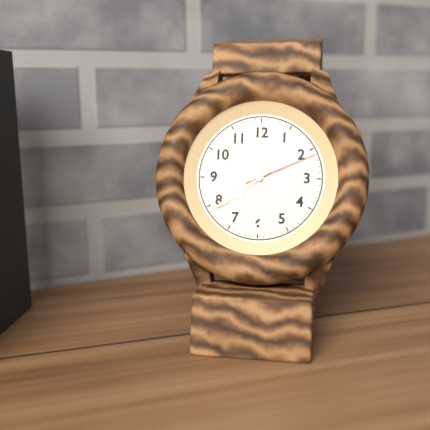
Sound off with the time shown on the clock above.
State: 7:39:11
